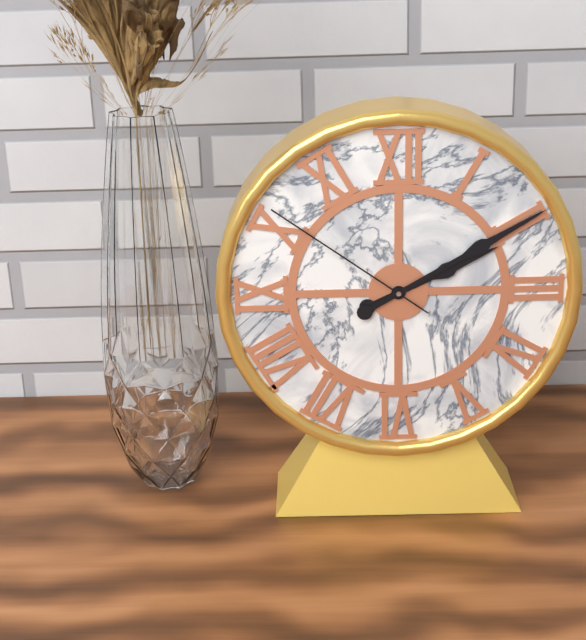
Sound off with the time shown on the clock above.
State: 2:10:51
